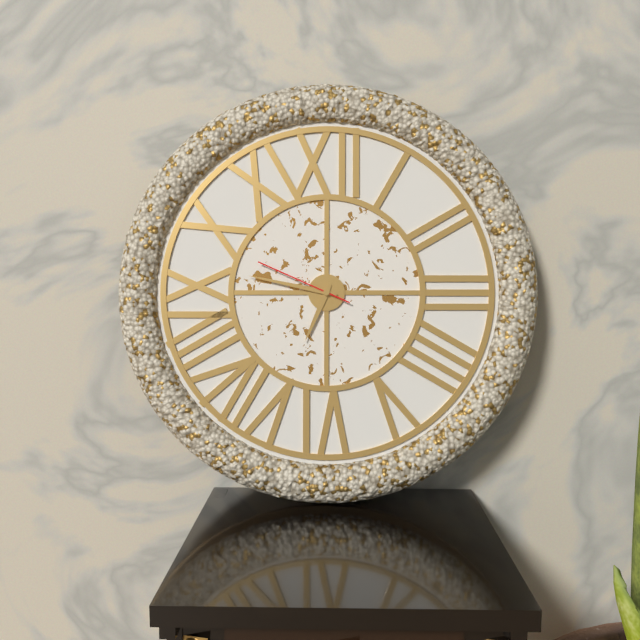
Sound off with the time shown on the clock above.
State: 6:47:49
